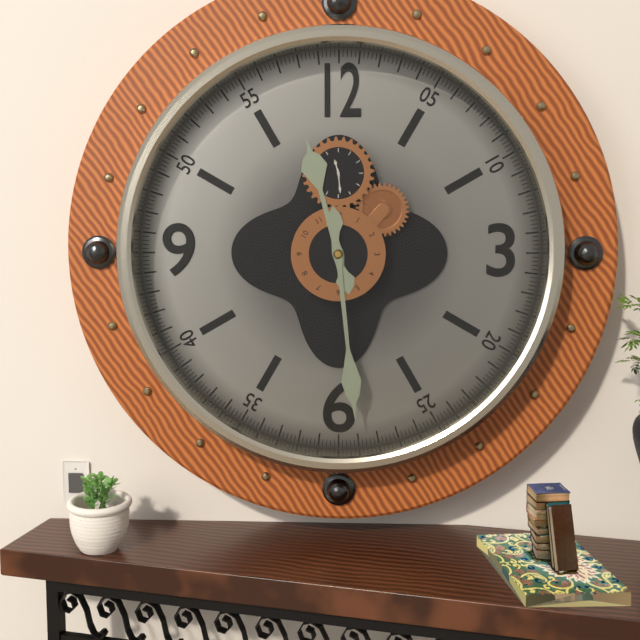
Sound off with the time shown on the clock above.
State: 11:29
